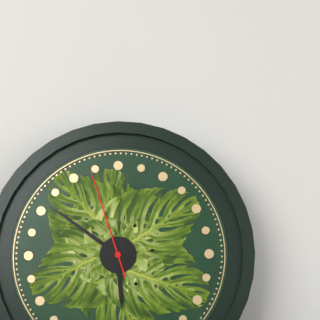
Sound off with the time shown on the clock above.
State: 5:51:57
